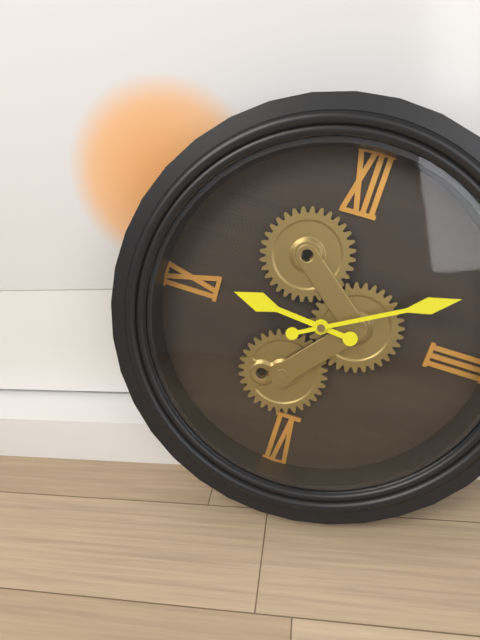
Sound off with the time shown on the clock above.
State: 9:10
